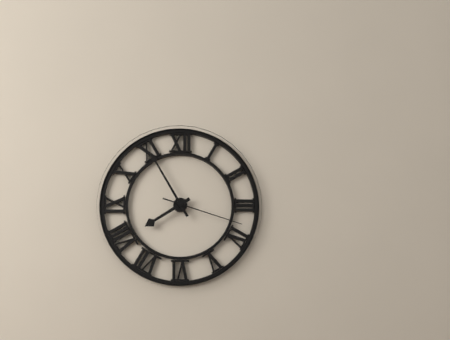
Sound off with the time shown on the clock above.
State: 7:55:18
